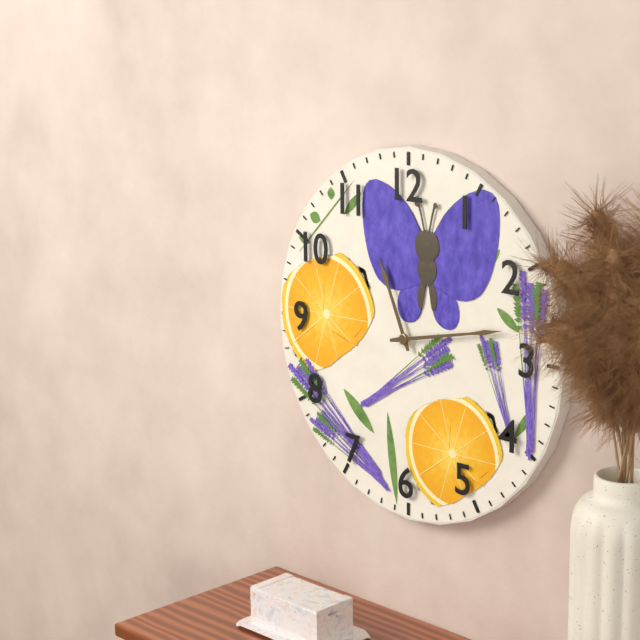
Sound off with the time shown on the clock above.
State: 11:13
